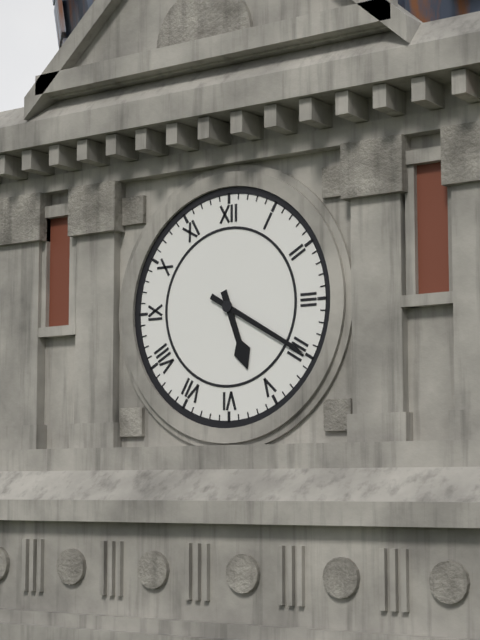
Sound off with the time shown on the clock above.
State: 5:20
